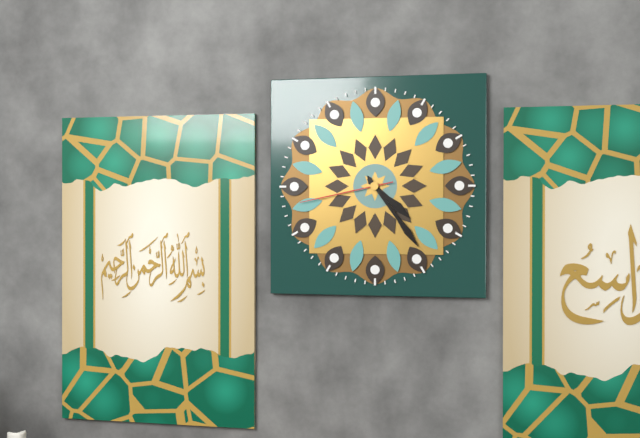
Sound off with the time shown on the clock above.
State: 4:24:43
